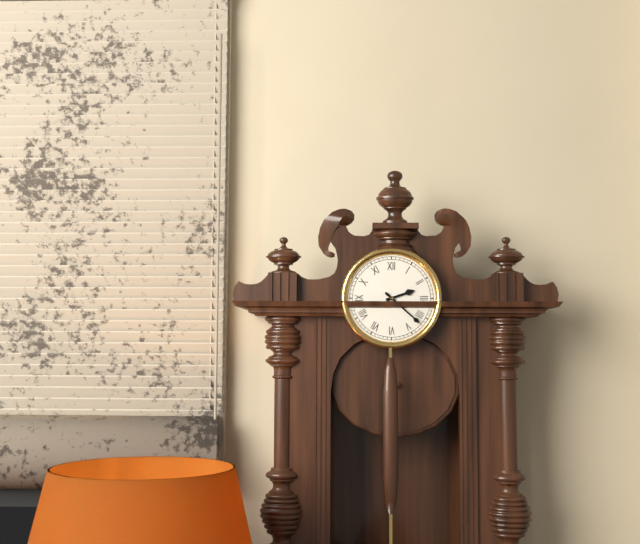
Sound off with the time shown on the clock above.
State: 2:22
